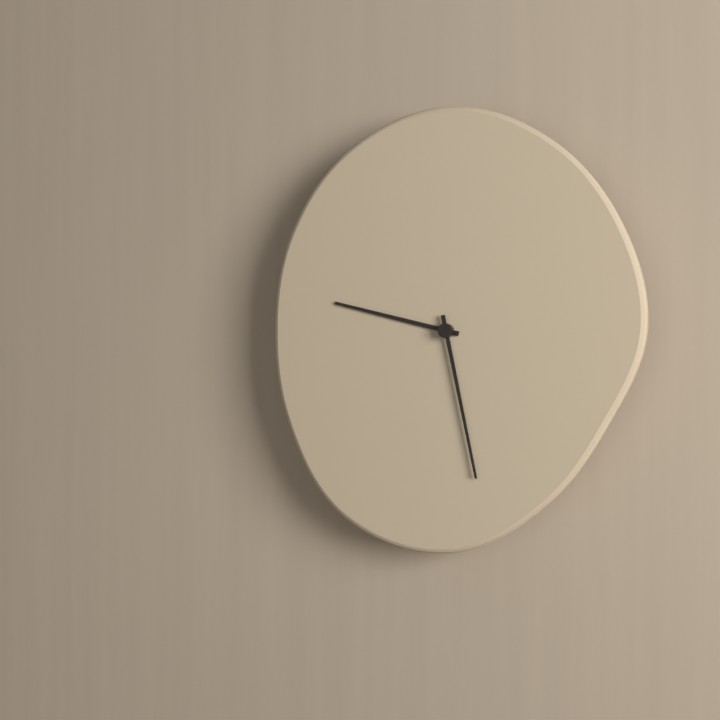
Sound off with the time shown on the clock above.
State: 9:28
